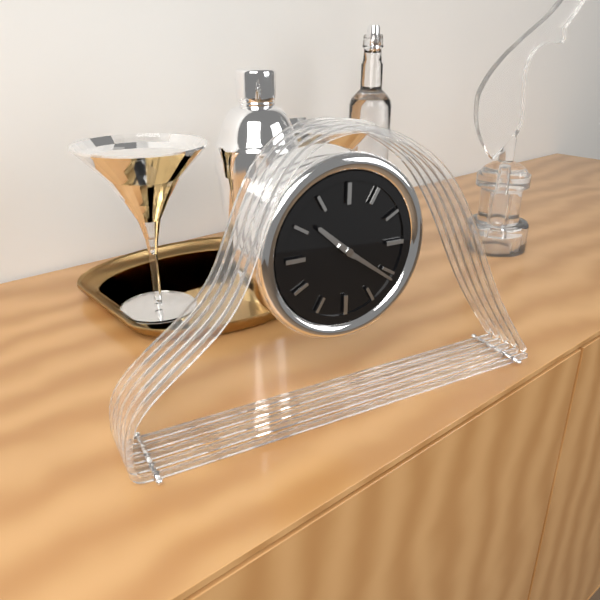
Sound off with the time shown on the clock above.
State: 10:21
